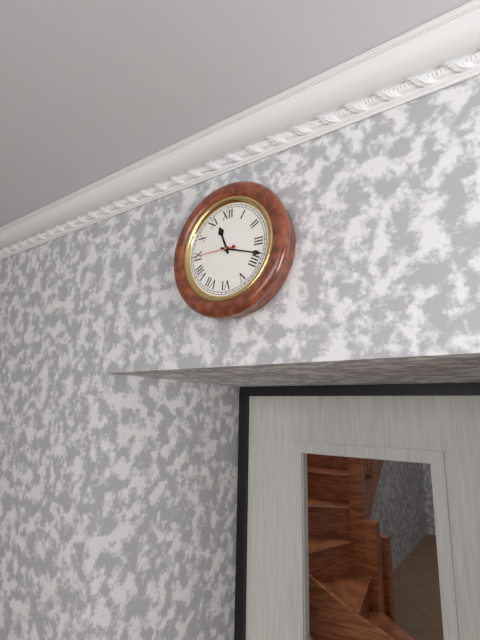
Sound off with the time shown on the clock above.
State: 11:18
